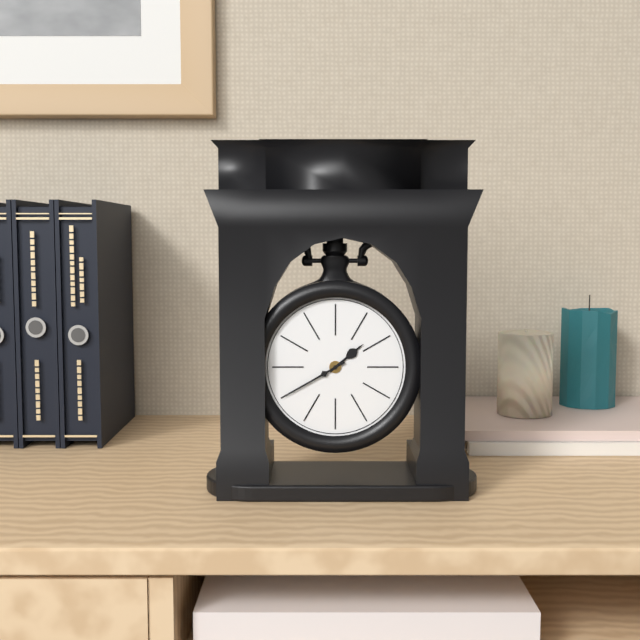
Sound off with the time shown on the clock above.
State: 1:40
